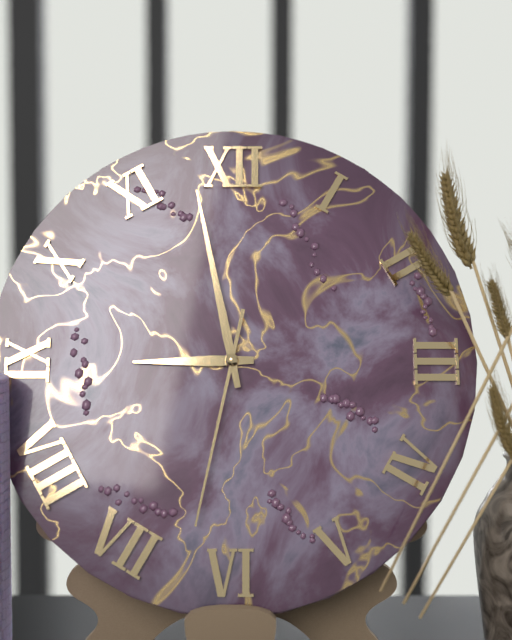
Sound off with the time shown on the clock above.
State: 8:58:32
